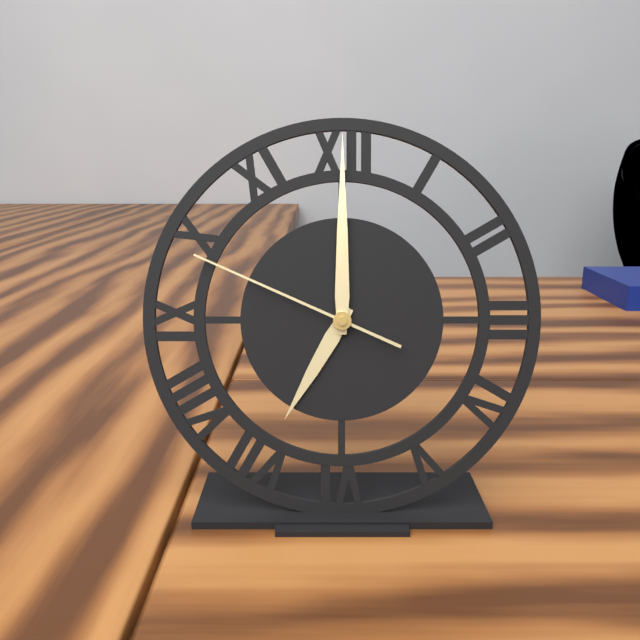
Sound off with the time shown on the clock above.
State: 7:00:49
